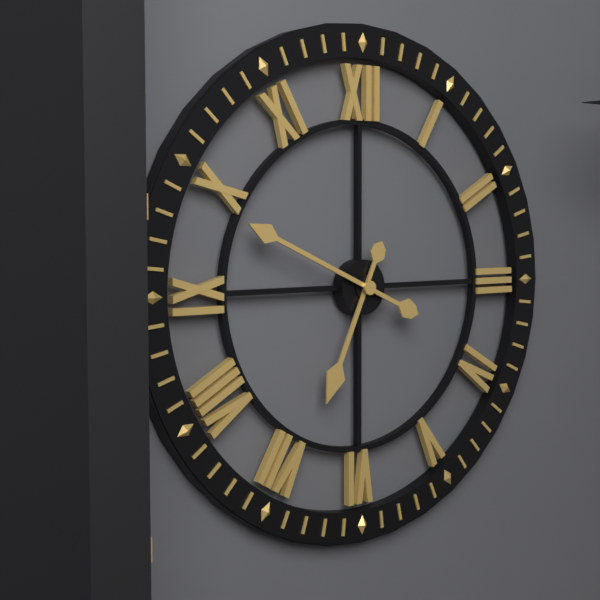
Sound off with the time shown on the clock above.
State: 6:49
